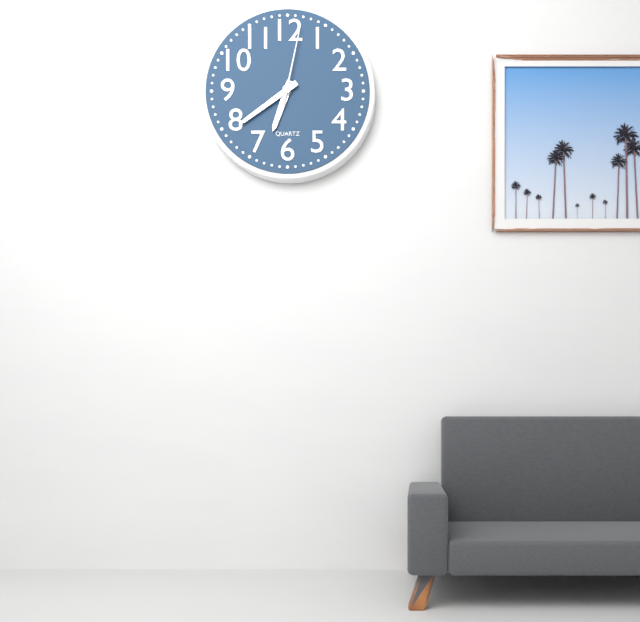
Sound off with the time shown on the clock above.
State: 6:39:02
